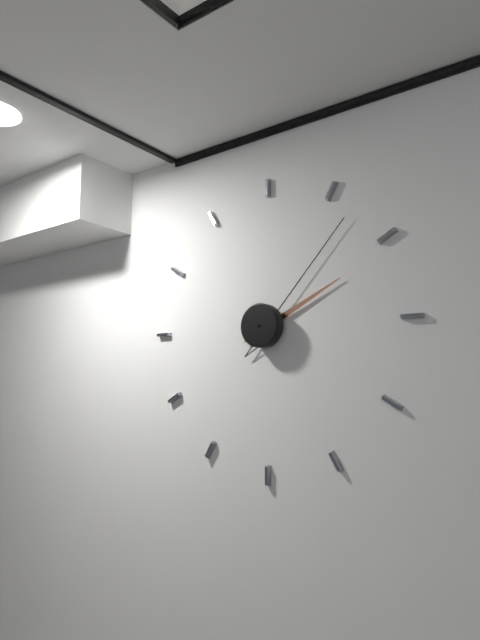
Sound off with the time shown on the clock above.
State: 2:07
